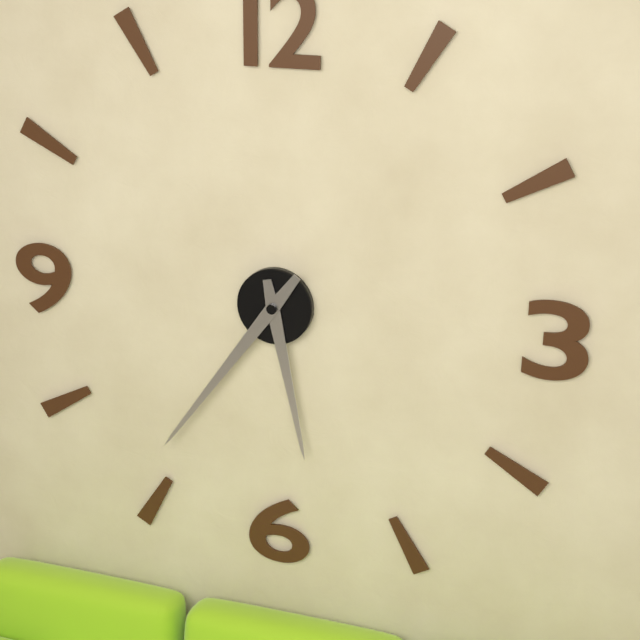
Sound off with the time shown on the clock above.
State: 5:36
